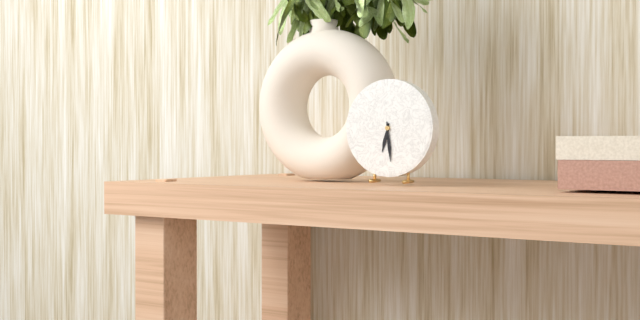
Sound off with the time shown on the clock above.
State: 6:29
